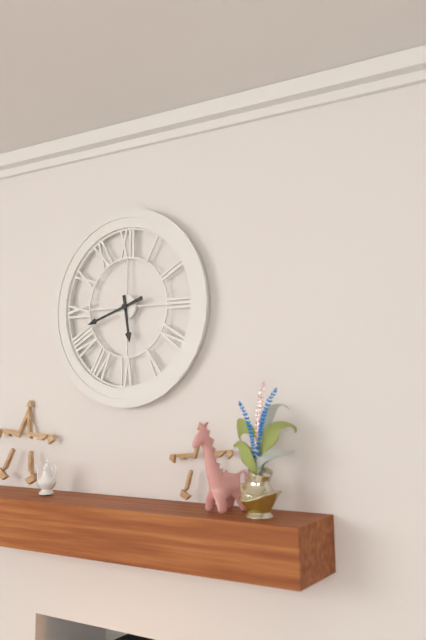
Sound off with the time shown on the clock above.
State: 5:42
